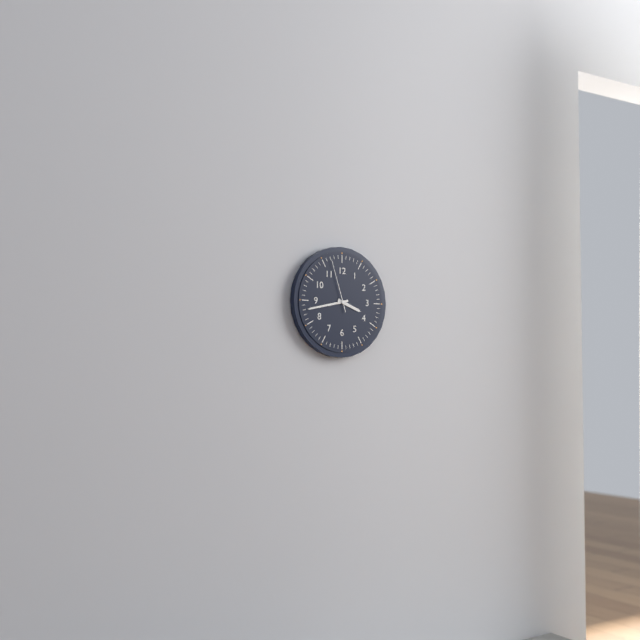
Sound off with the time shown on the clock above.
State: 3:43:57
